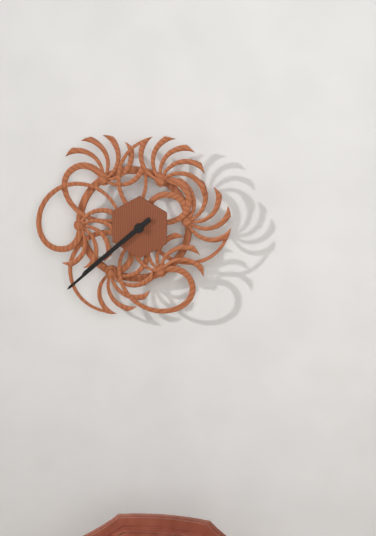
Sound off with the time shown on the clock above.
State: 7:38
